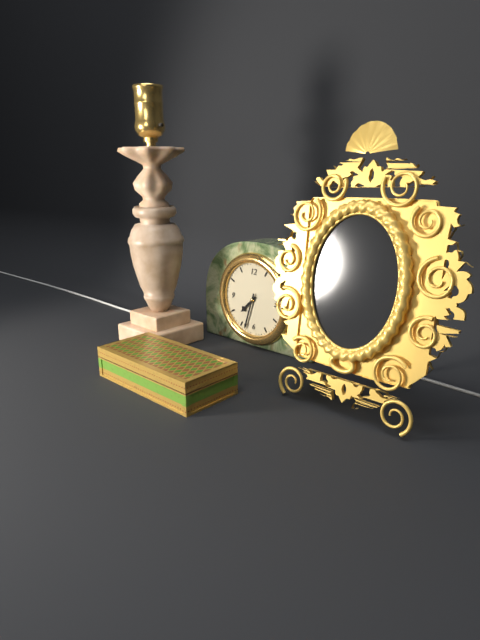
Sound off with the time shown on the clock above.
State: 7:33
